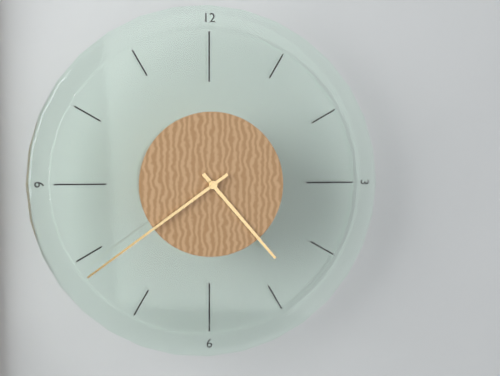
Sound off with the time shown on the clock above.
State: 4:39
